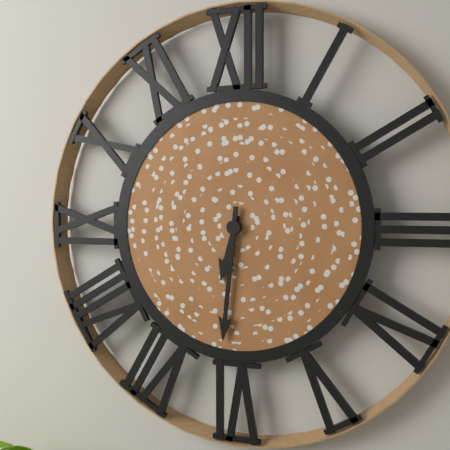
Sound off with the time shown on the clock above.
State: 6:31
